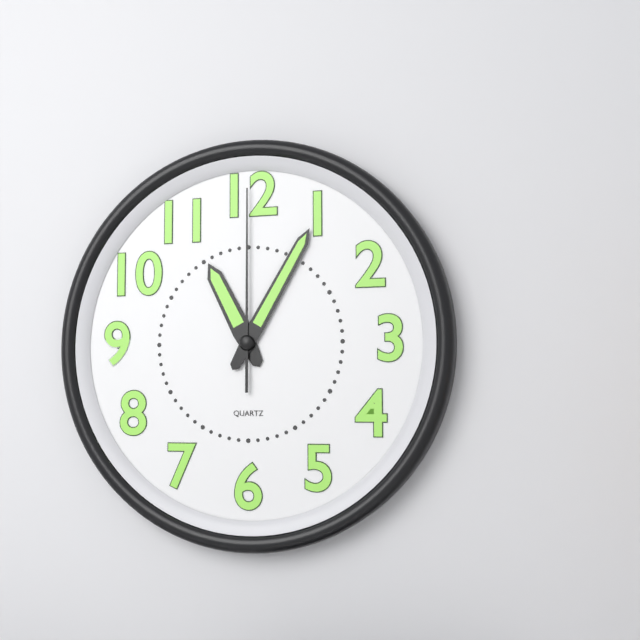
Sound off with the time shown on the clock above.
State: 11:05:00
